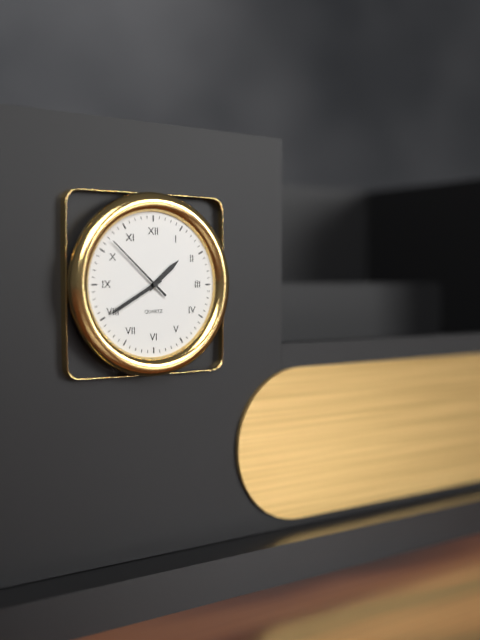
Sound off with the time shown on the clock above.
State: 1:40:52
